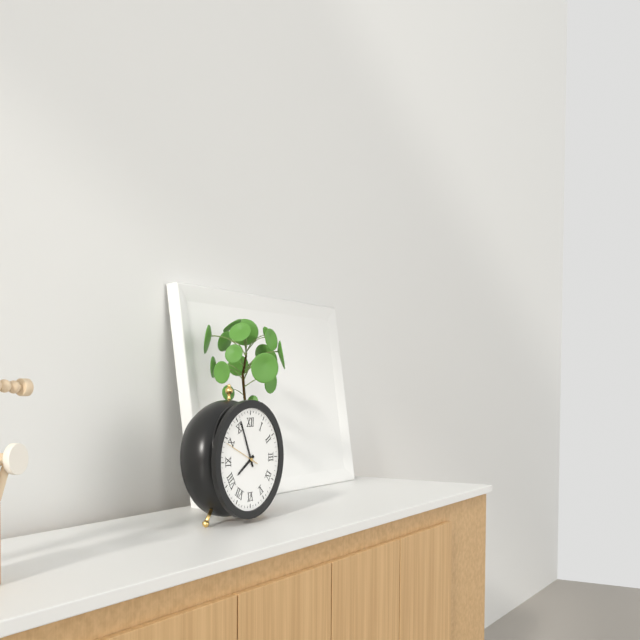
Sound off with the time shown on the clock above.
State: 7:56
